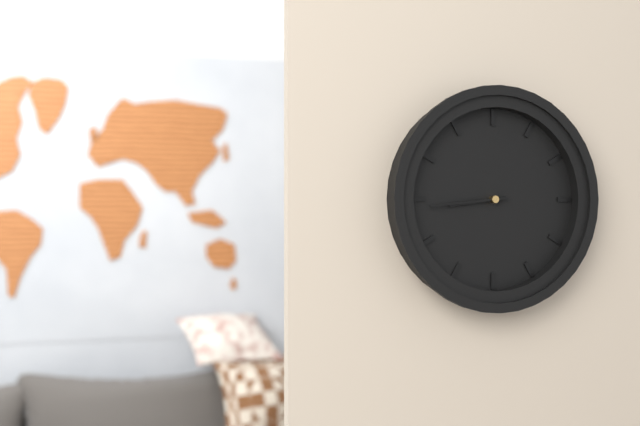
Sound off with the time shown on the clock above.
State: 8:44
